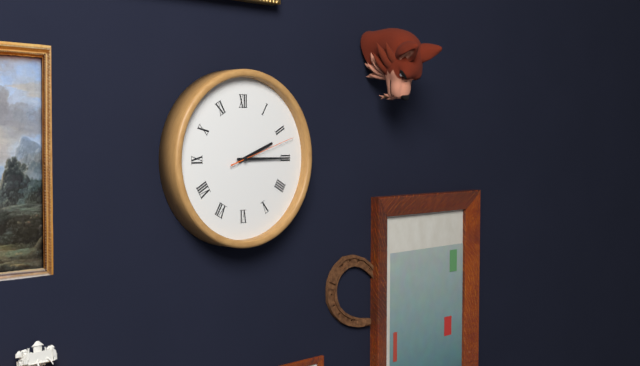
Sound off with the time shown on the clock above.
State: 2:15:12
